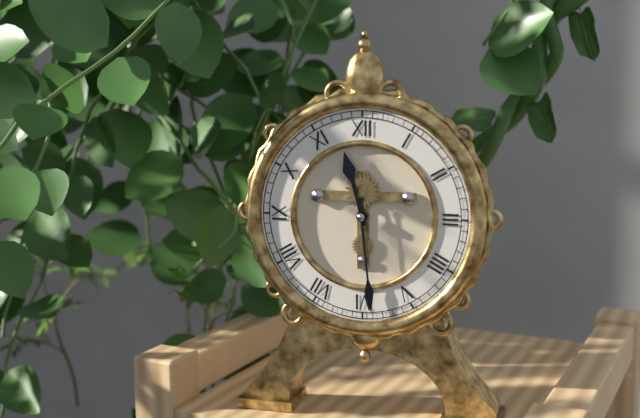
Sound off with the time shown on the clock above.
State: 11:29
